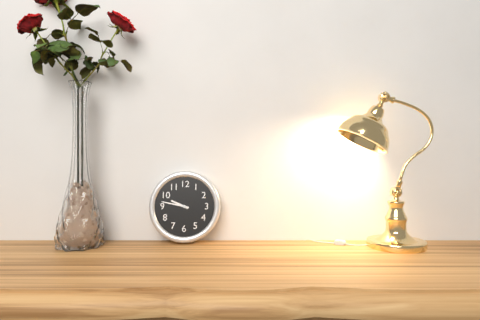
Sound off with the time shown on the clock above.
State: 9:47
